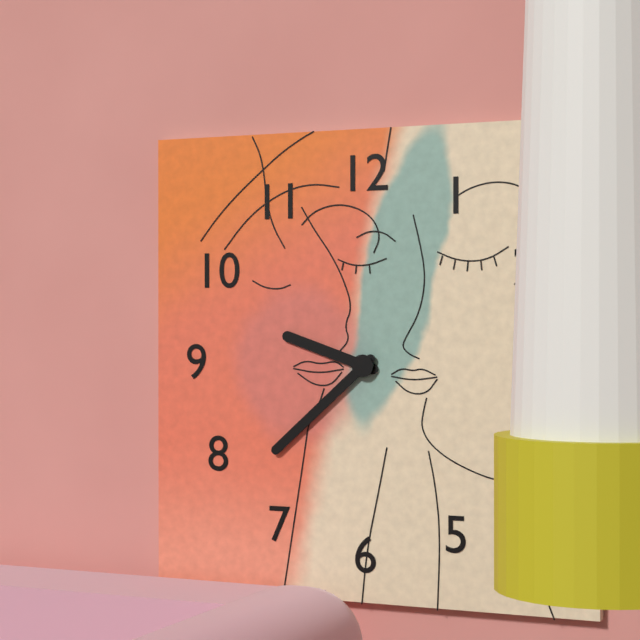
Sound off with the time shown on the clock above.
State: 9:38
